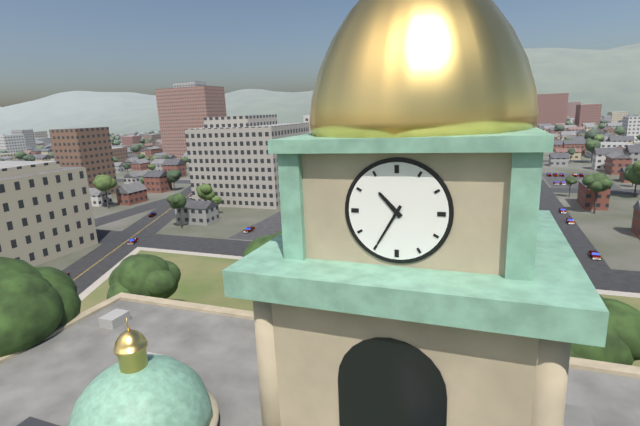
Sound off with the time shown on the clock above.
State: 10:35
